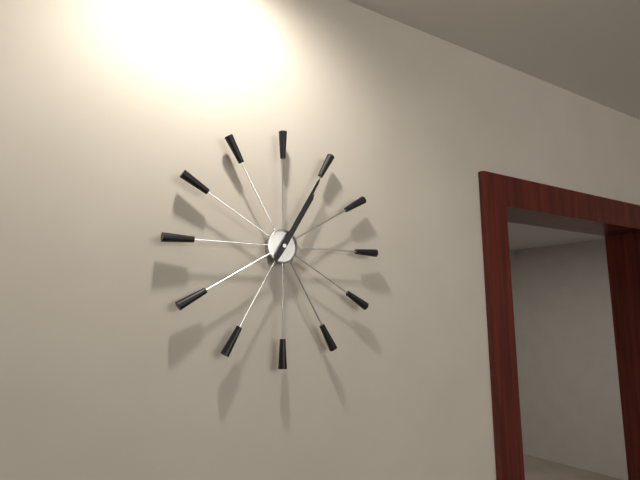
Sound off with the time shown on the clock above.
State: 1:05
